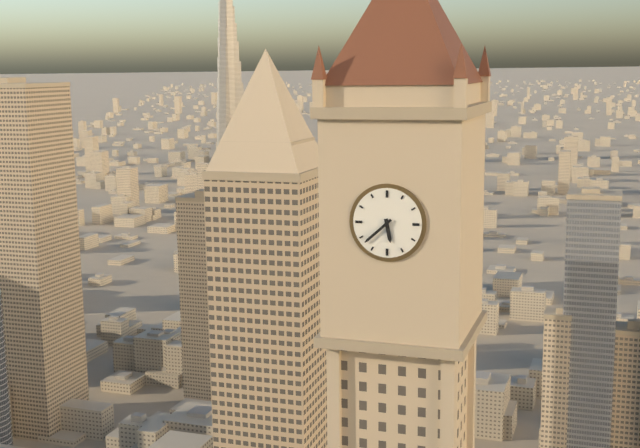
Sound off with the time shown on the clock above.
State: 5:38
